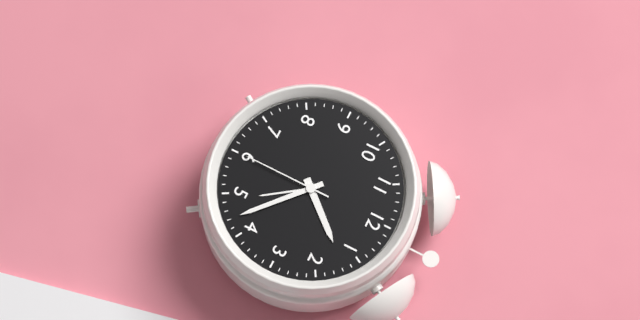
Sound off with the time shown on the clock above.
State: 1:22:30
